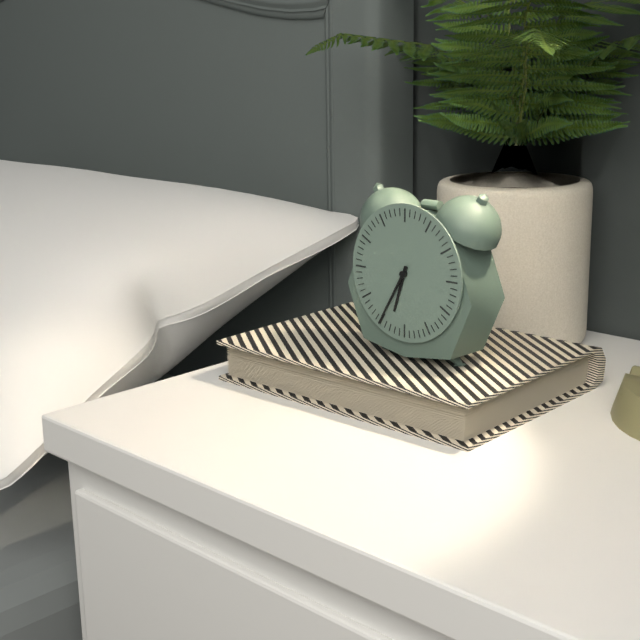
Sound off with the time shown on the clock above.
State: 6:35
